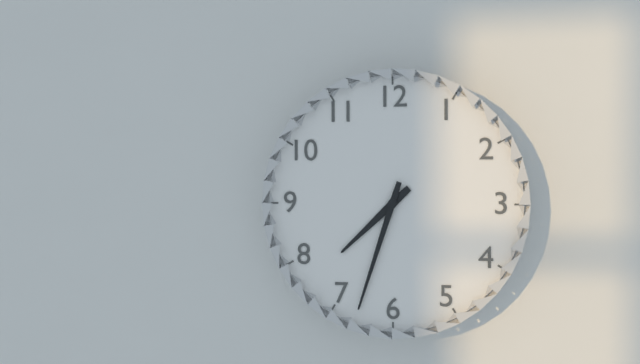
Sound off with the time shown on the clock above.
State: 7:33
